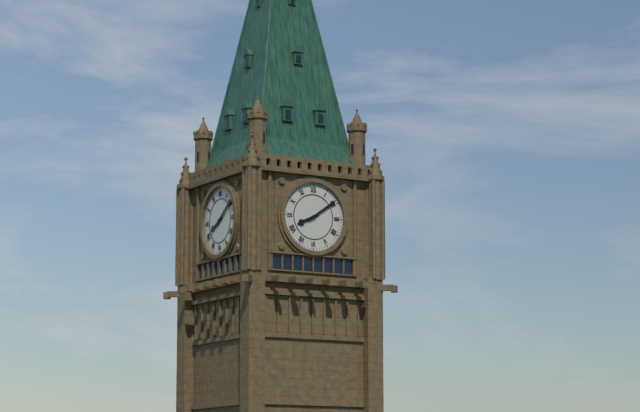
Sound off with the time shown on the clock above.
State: 8:09
